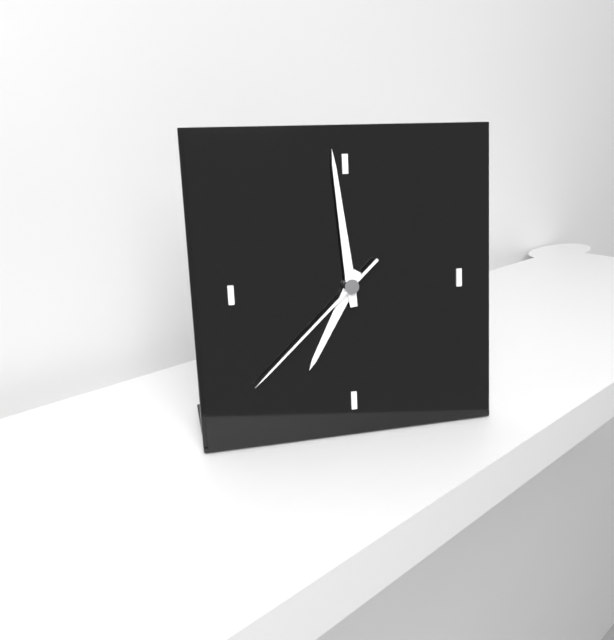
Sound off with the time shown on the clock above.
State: 6:59:38
